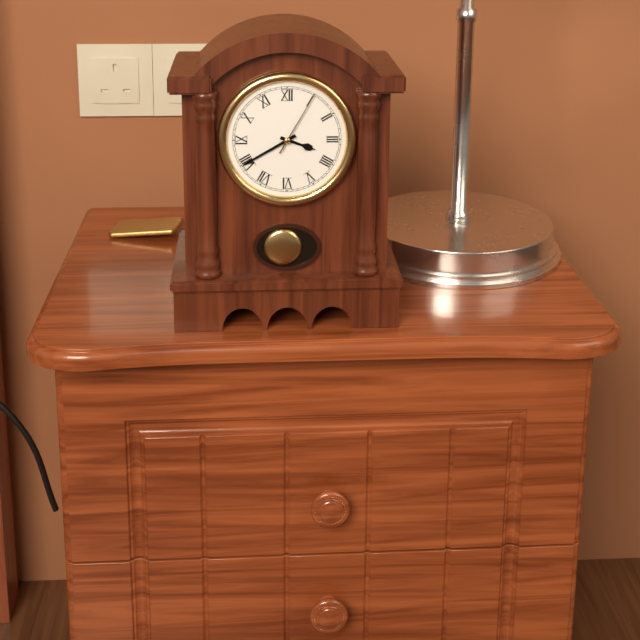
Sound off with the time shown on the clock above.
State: 3:40:05
